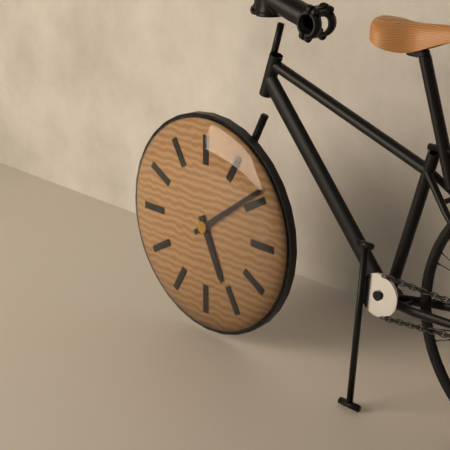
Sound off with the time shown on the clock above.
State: 5:09
